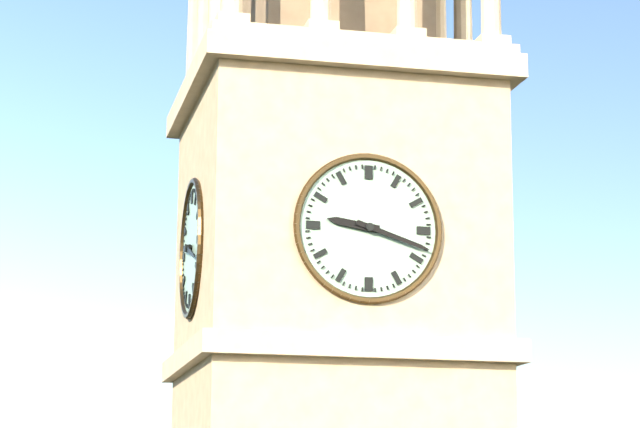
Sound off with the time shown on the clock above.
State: 9:18
